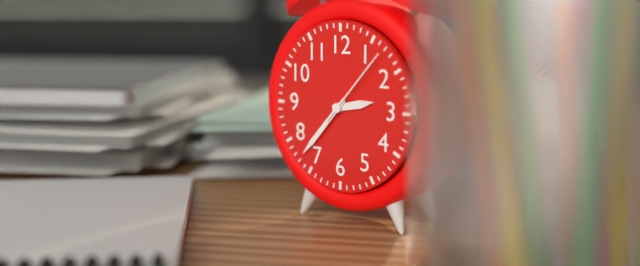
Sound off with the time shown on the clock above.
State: 2:37:07
